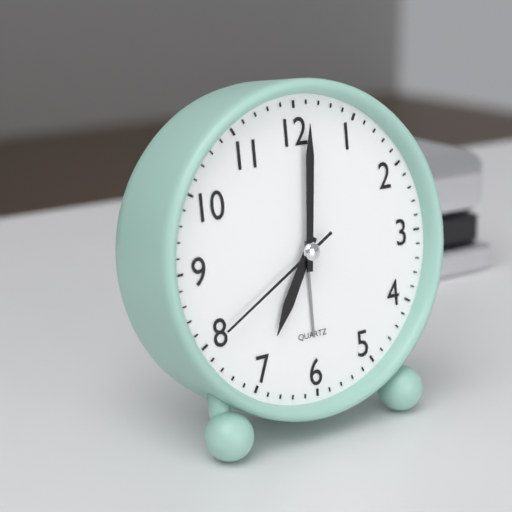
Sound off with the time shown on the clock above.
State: 7:01:40
